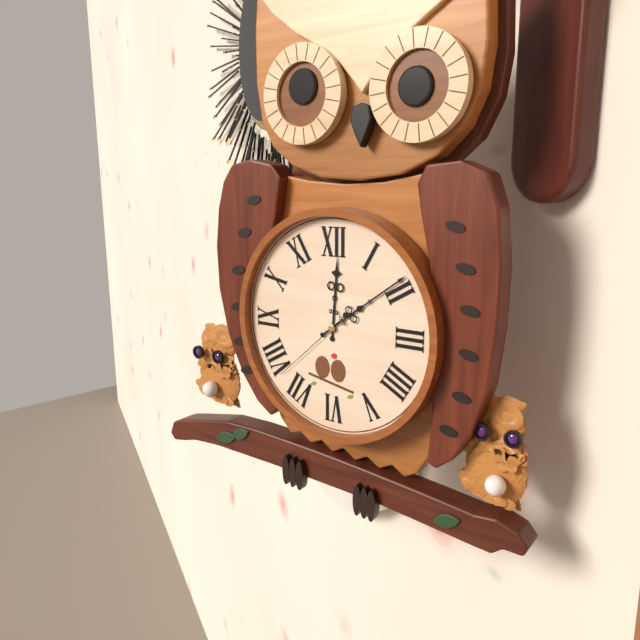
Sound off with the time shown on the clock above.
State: 12:09:38
